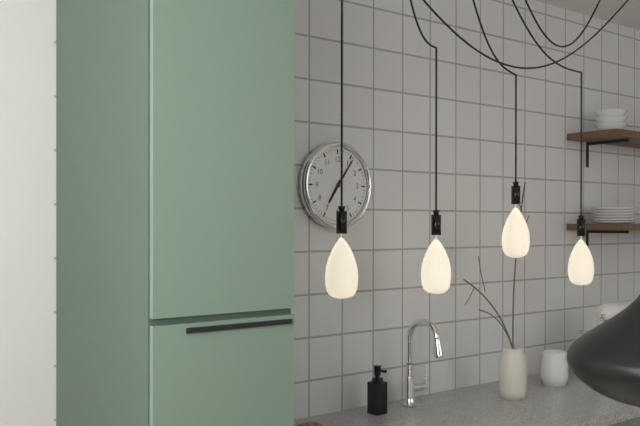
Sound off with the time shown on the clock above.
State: 7:06
